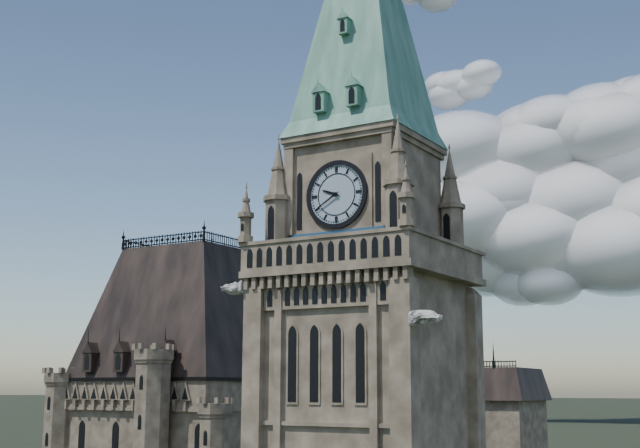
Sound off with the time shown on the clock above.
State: 9:40
